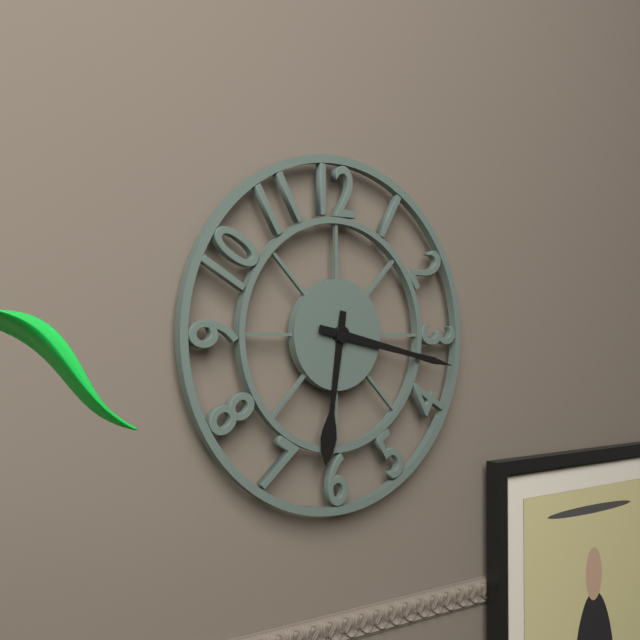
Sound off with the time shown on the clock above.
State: 6:17
